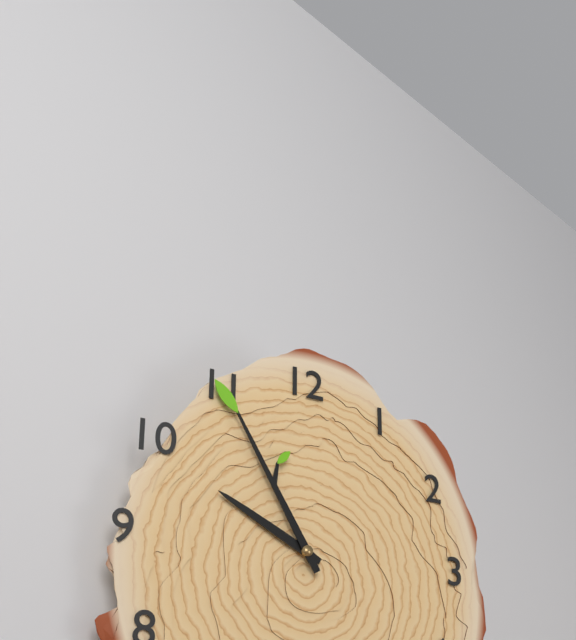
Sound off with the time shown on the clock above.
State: 9:55
